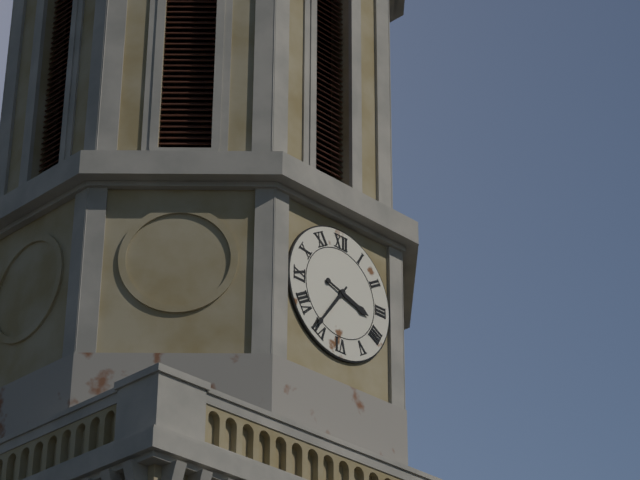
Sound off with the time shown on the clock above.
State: 3:36
